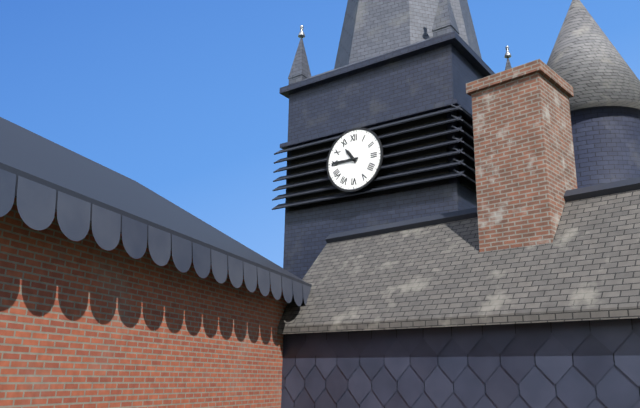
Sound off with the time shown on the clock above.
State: 10:45
